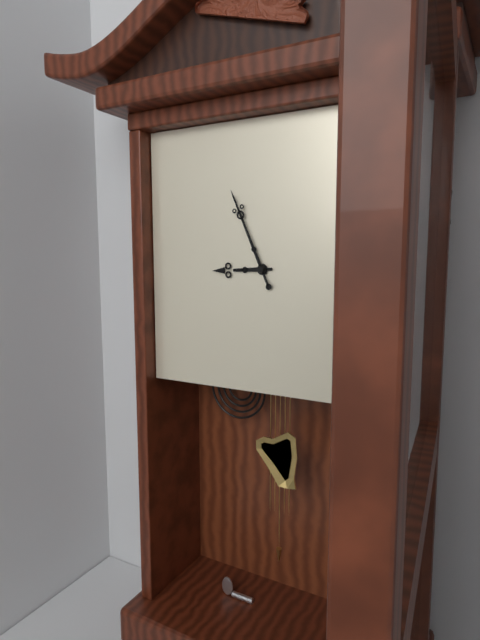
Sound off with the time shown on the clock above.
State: 8:56
